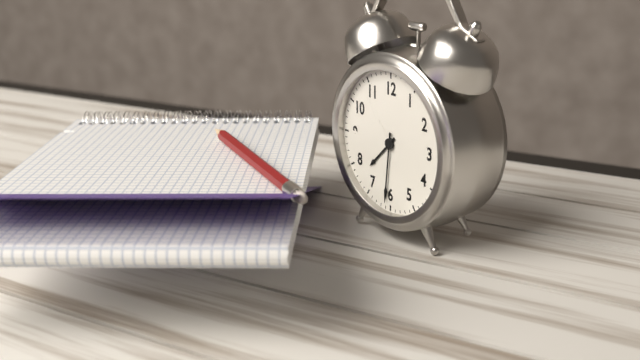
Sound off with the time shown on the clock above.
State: 7:31
